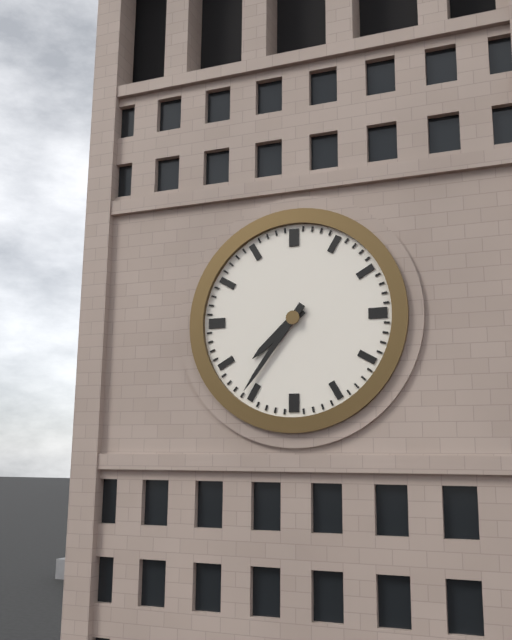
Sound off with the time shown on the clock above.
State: 7:36
